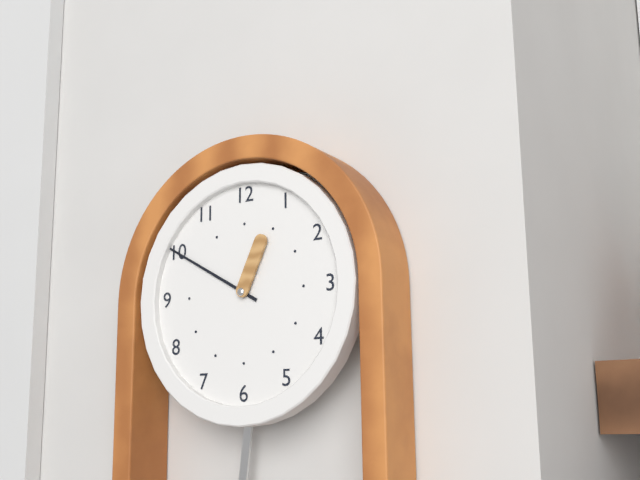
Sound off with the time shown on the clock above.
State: 12:50
